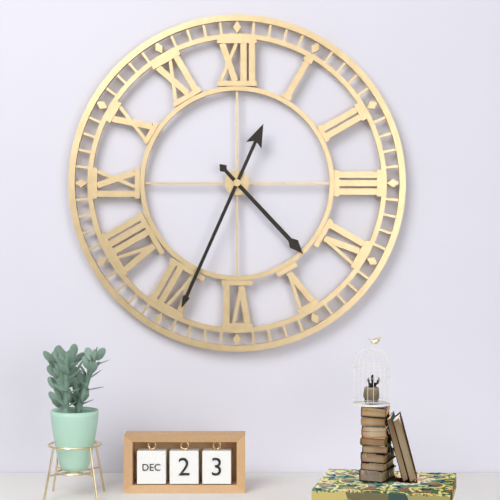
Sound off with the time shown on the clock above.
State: 4:34
